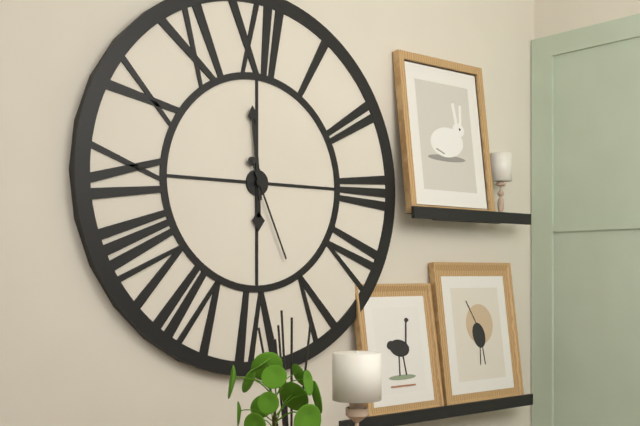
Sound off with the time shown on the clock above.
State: 5:59:26
